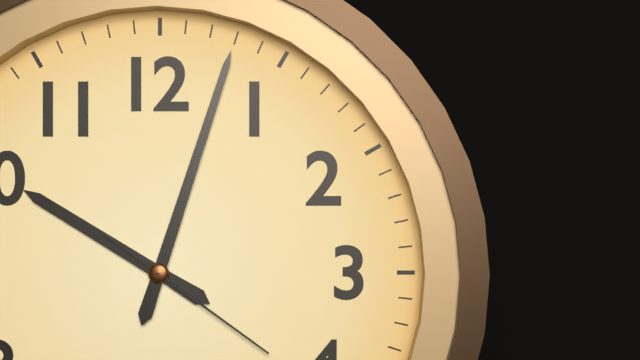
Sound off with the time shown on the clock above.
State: 10:03:21
